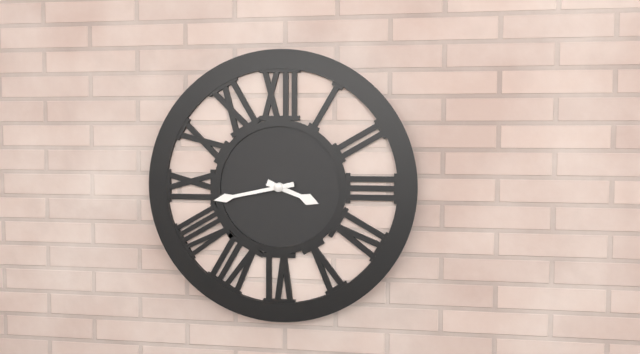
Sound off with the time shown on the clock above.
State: 3:43
